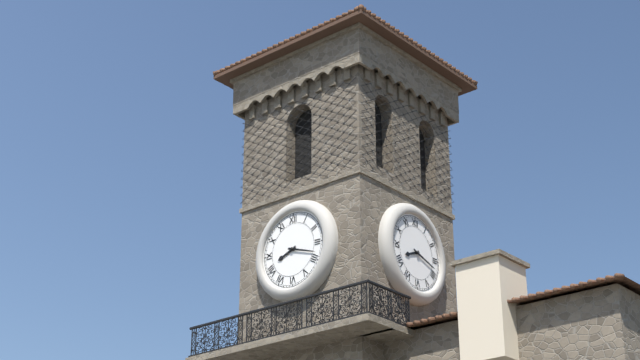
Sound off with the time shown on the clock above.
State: 8:18
